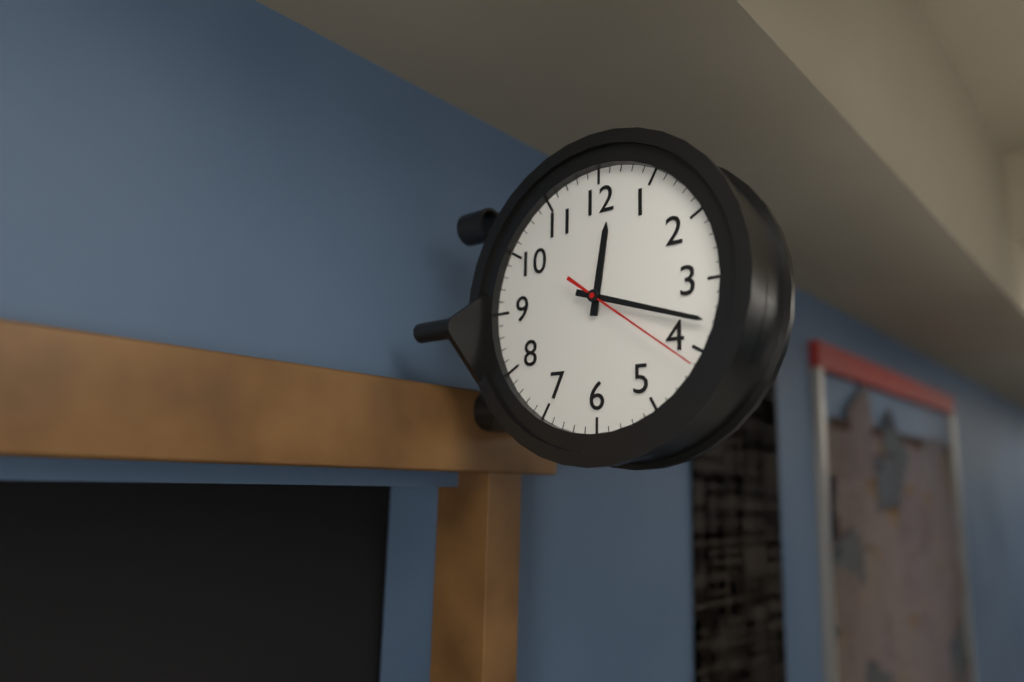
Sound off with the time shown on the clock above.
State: 12:18:21
